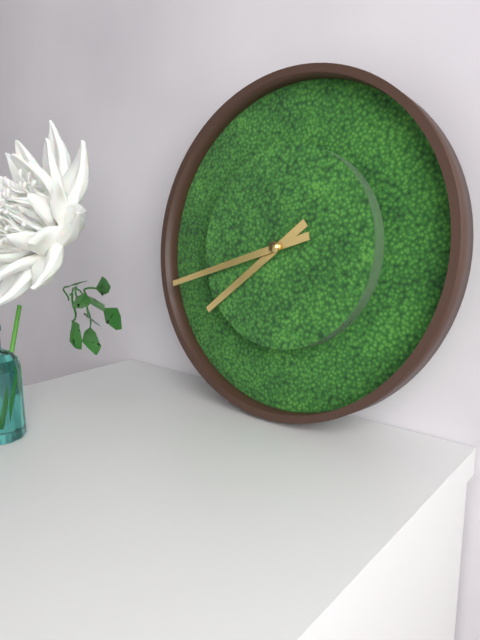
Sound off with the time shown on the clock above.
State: 7:42
